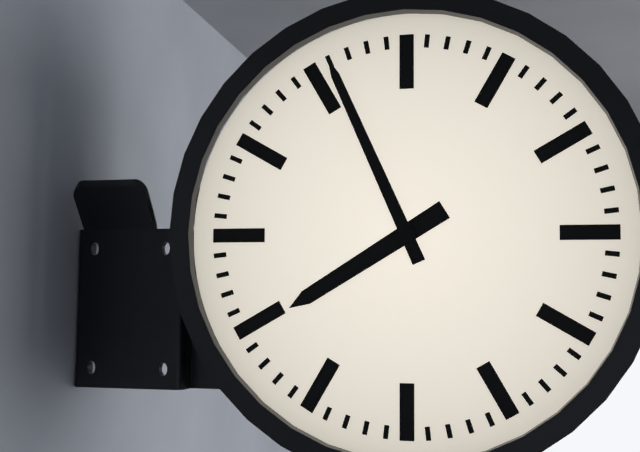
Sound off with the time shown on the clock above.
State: 7:56
